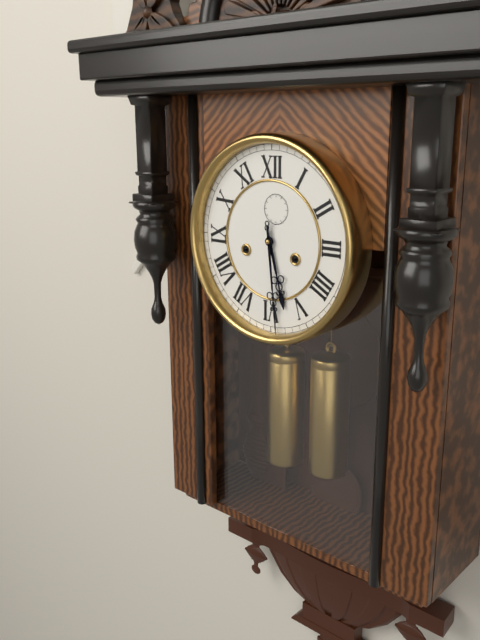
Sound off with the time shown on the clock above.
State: 5:29
